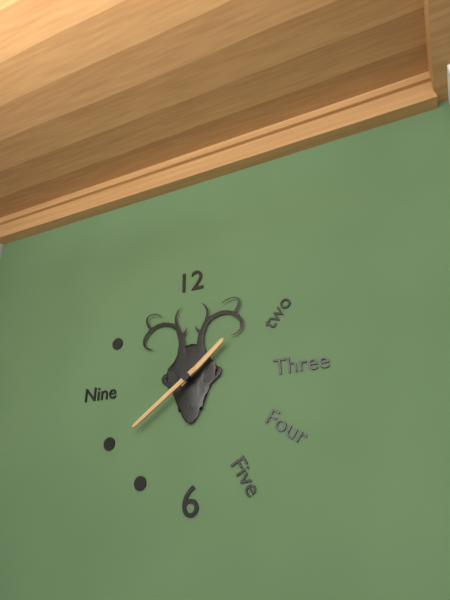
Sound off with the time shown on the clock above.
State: 1:39
